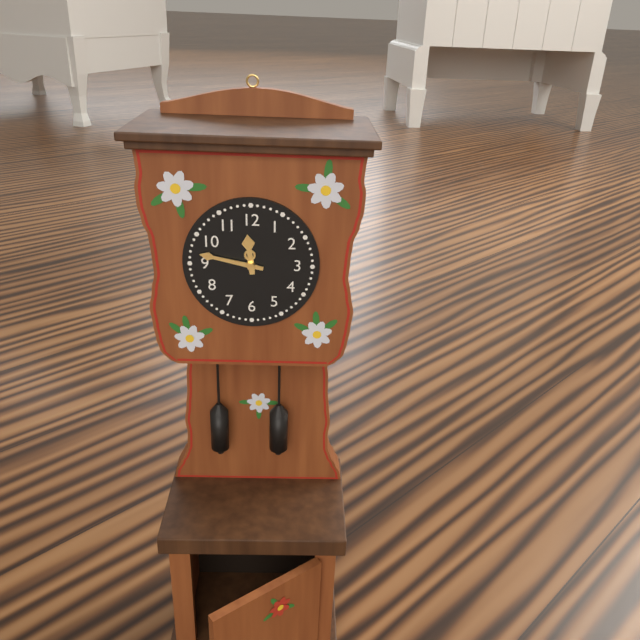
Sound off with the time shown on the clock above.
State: 11:47
